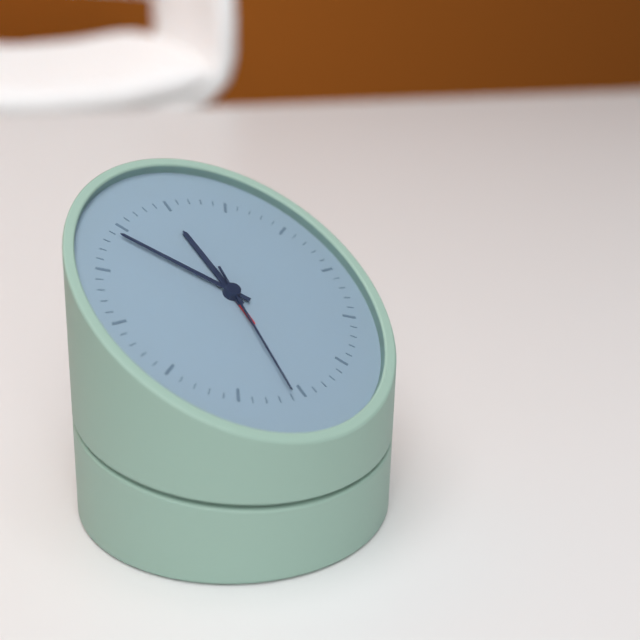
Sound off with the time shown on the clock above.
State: 11:54:31
